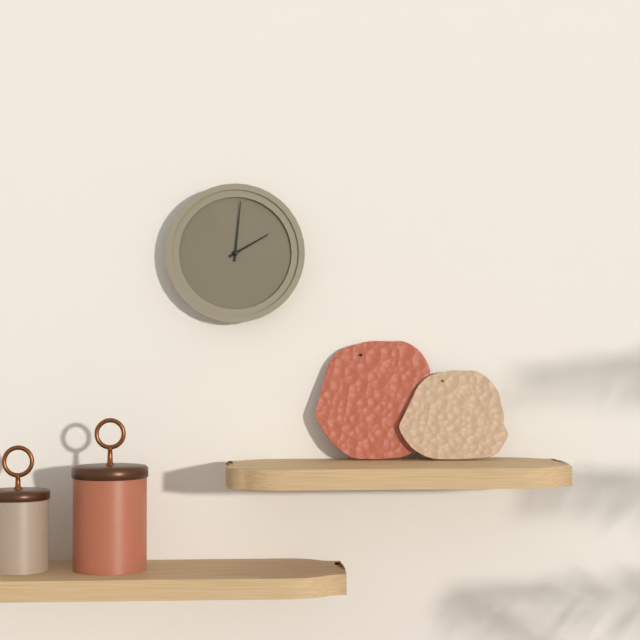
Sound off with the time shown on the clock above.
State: 2:01
